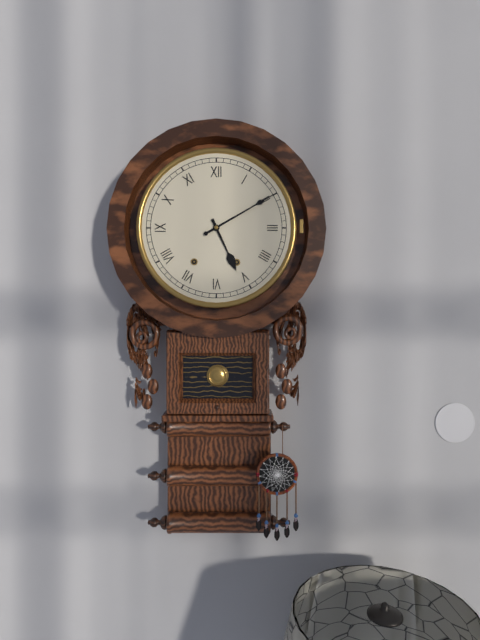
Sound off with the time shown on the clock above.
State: 5:10
